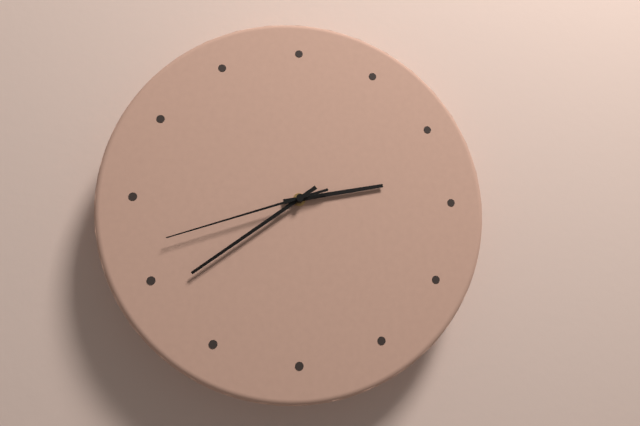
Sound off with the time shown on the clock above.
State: 2:39:42
